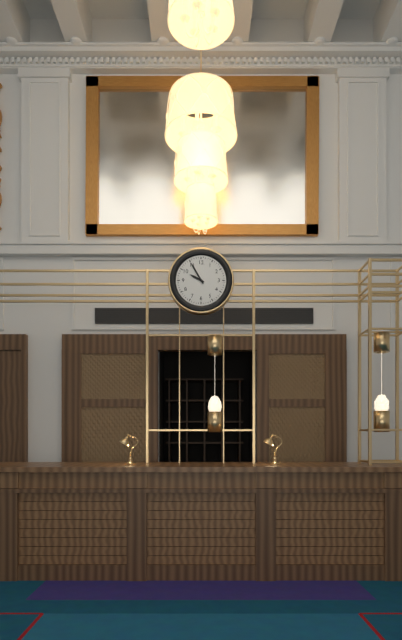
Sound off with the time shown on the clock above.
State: 9:55
